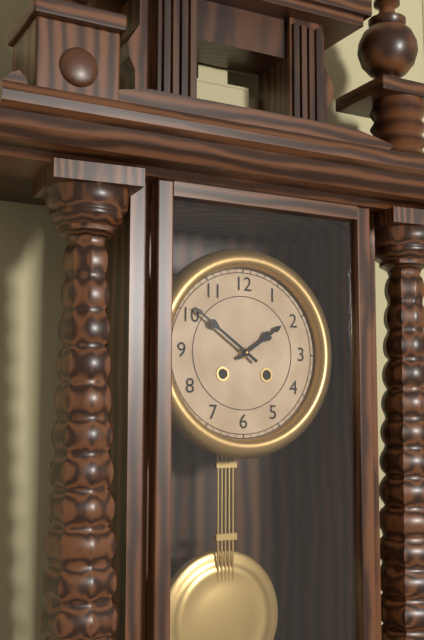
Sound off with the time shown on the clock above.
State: 1:51
